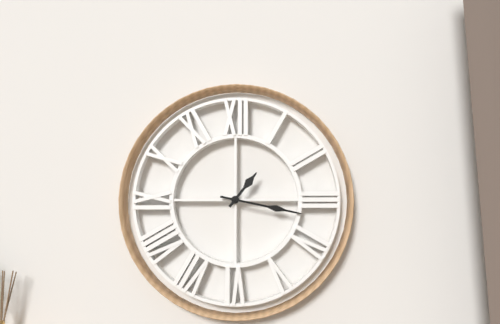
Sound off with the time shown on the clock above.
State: 1:17
